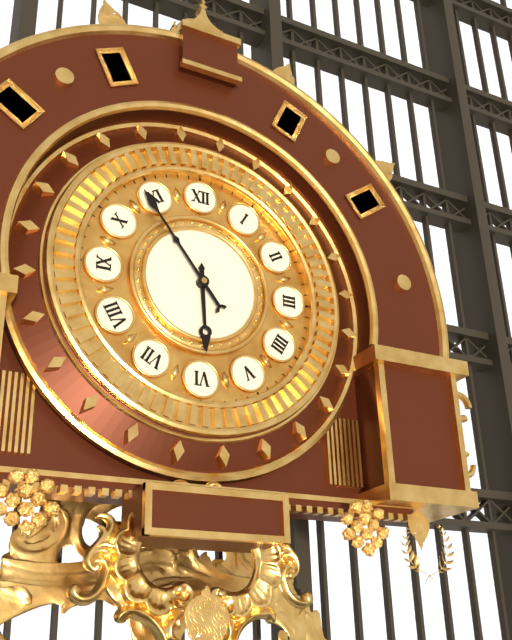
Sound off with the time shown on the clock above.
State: 5:54
